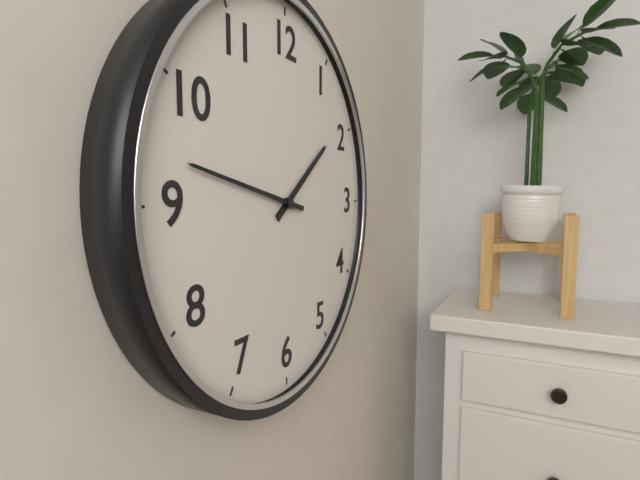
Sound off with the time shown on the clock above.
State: 1:47
